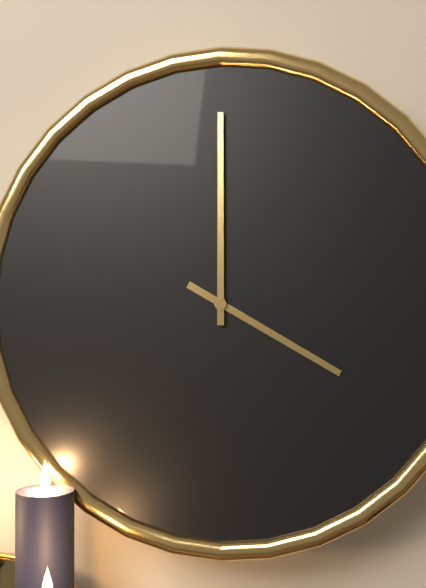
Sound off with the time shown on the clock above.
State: 4:00
